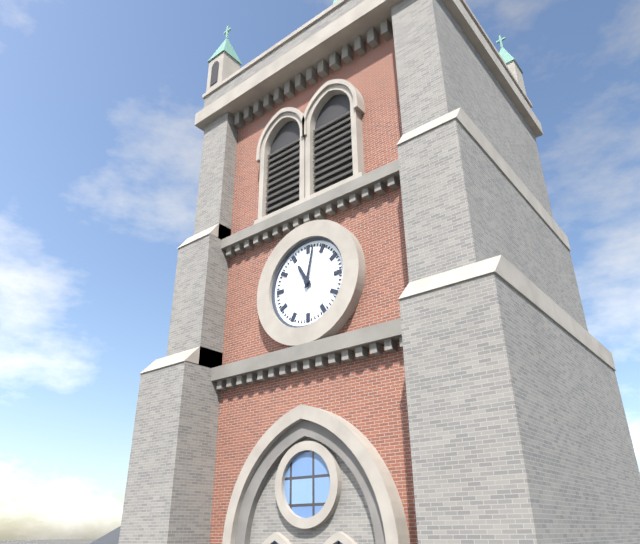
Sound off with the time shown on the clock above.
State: 11:02
